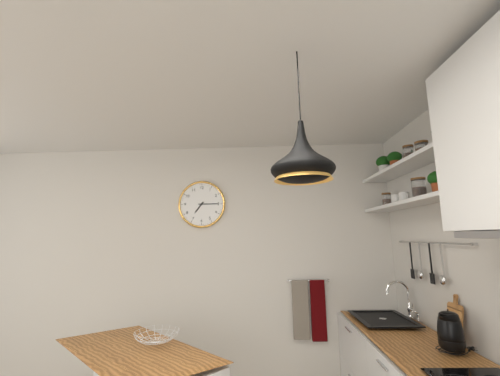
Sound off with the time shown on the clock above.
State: 7:15
